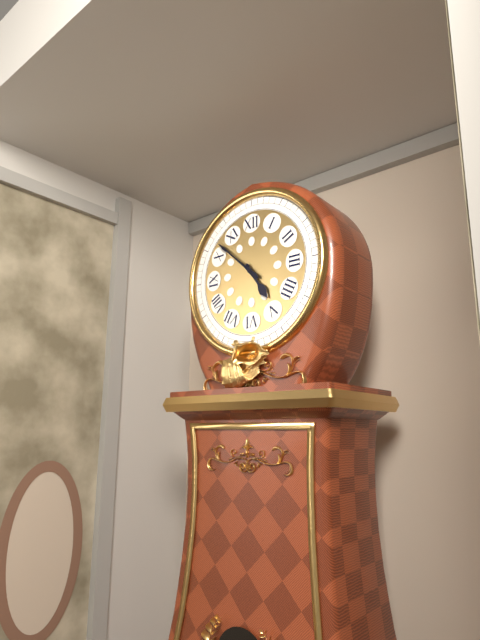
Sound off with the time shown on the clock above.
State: 4:52
